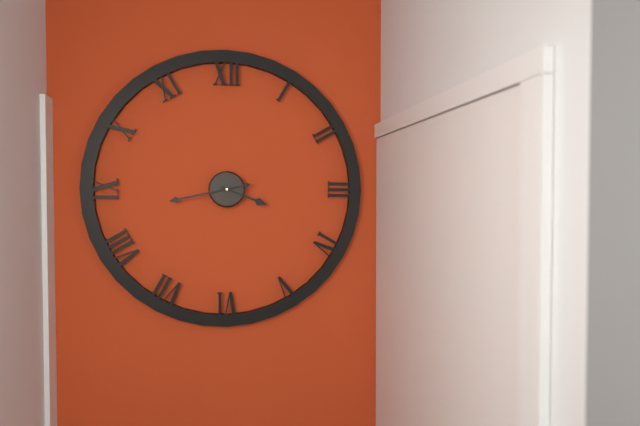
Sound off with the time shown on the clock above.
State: 3:43
